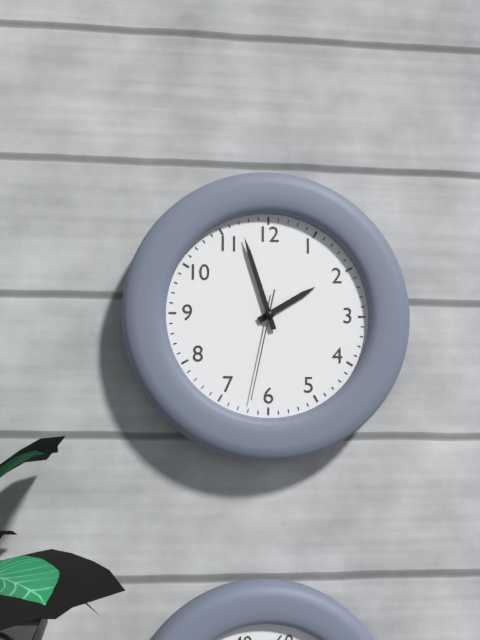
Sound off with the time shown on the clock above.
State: 1:57:32
